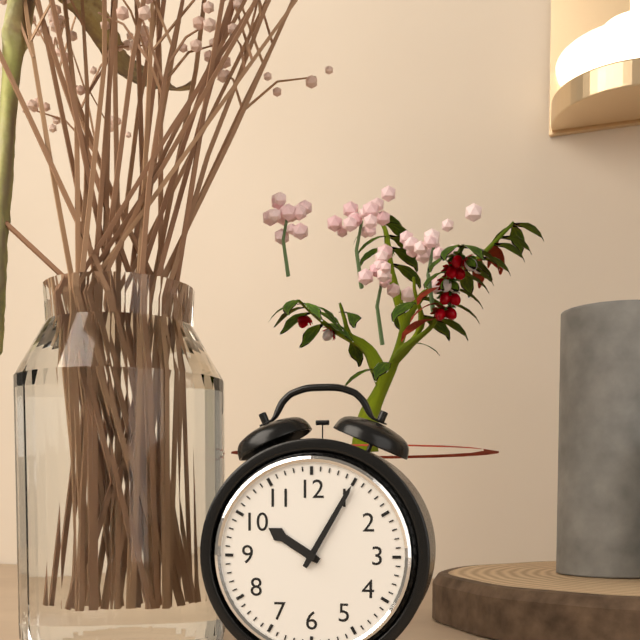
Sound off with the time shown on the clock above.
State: 10:05
